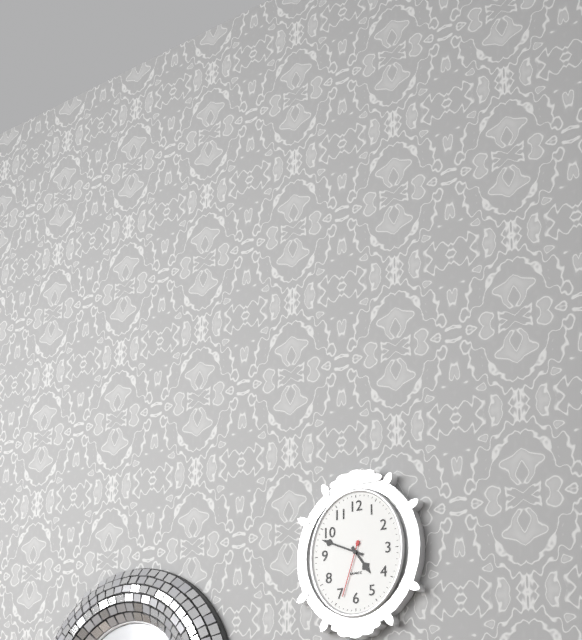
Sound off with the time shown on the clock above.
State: 4:49:33
